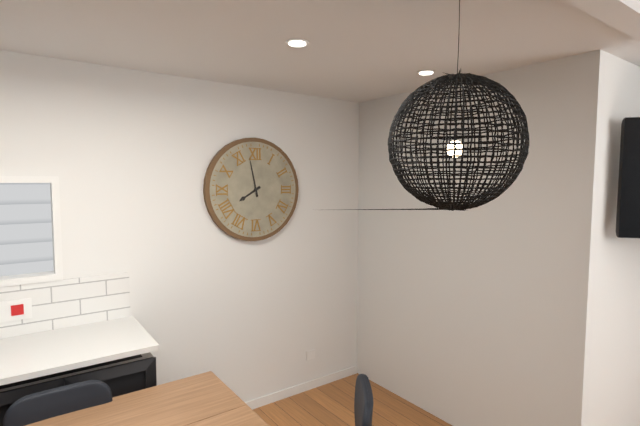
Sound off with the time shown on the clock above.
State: 7:58
